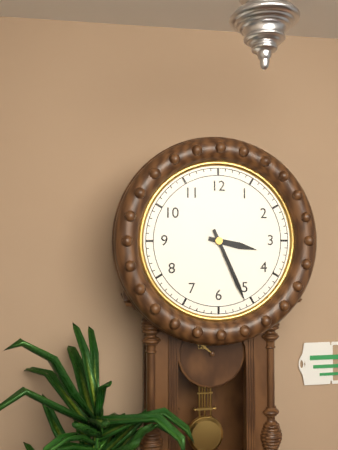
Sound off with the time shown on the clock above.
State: 3:26
